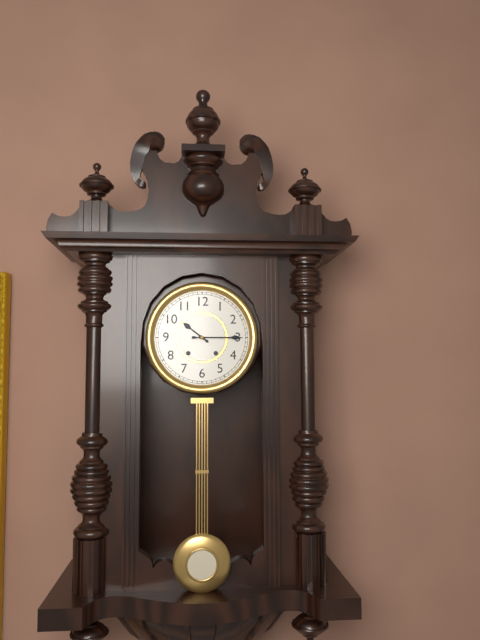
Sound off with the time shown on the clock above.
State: 10:15
